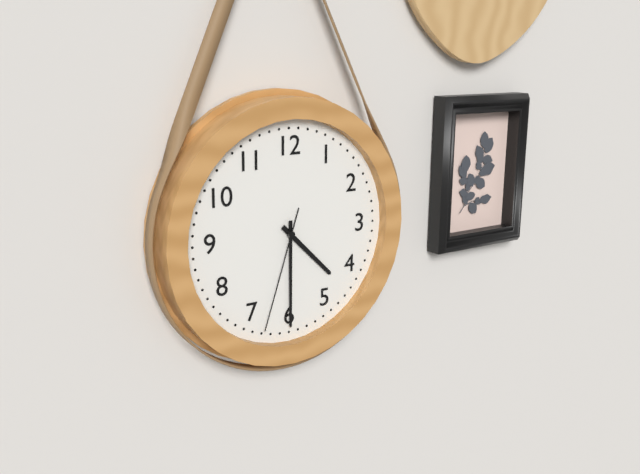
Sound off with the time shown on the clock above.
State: 4:30:33
